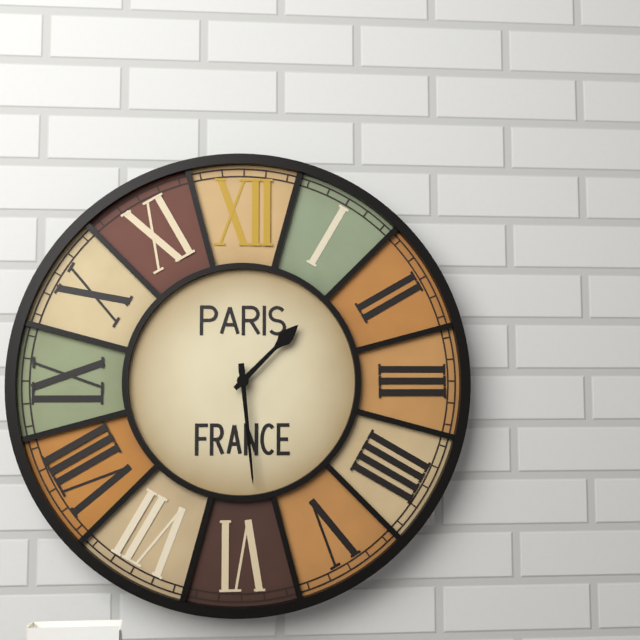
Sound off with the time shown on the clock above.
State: 1:29
